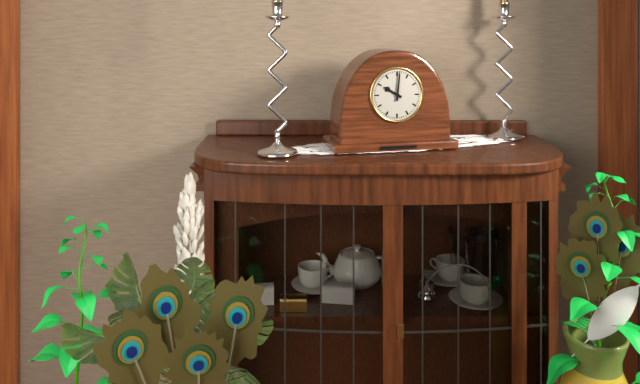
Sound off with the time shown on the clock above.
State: 10:01
